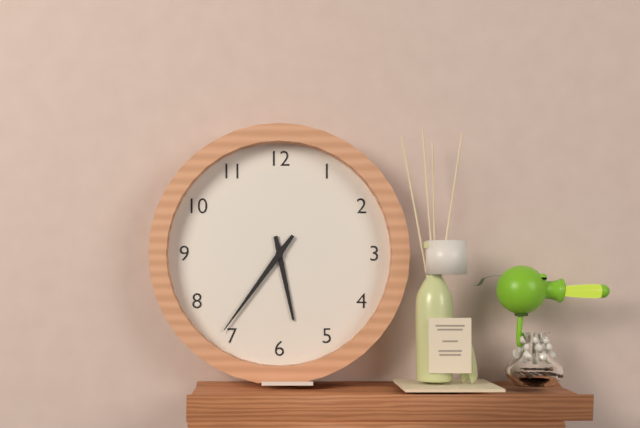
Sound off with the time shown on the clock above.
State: 5:36
